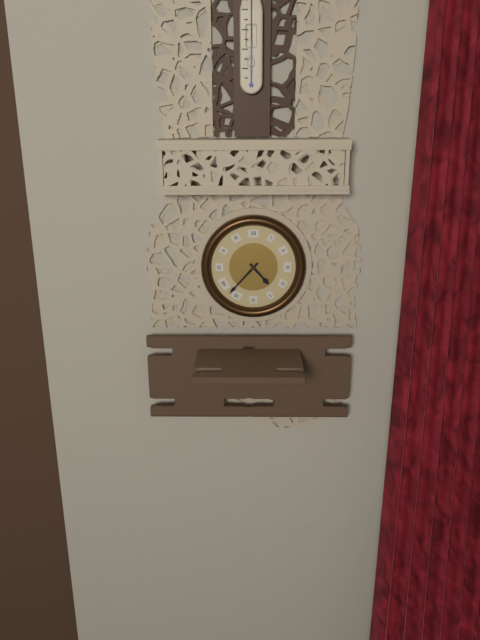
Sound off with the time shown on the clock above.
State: 4:37
